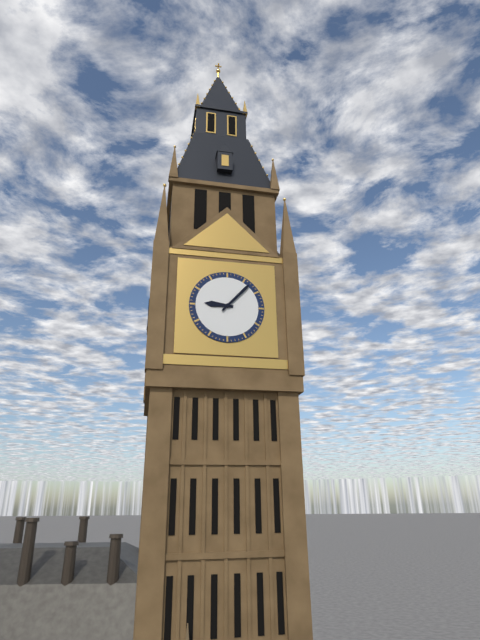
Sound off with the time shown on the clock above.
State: 9:07
